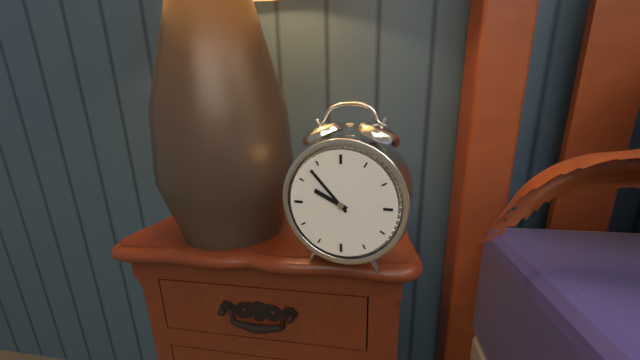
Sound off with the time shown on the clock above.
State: 9:53
